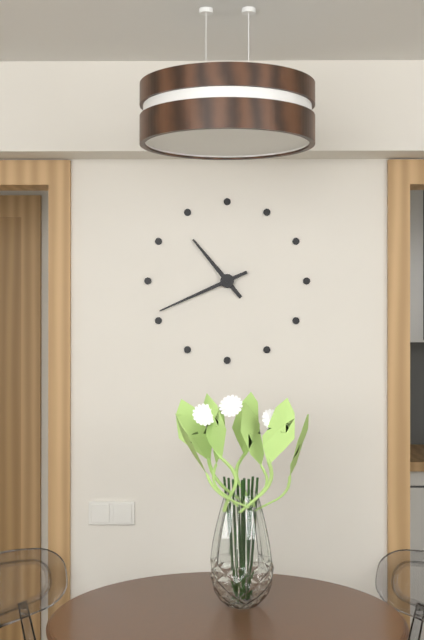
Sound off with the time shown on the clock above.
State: 10:41
